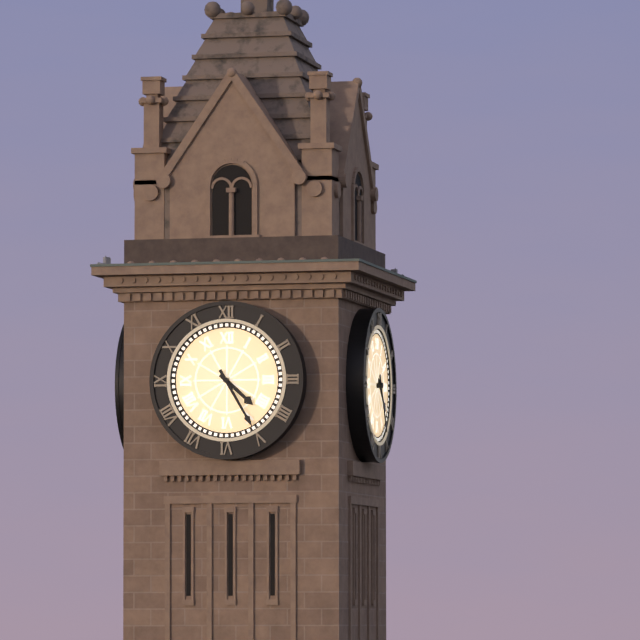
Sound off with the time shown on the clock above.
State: 4:25
